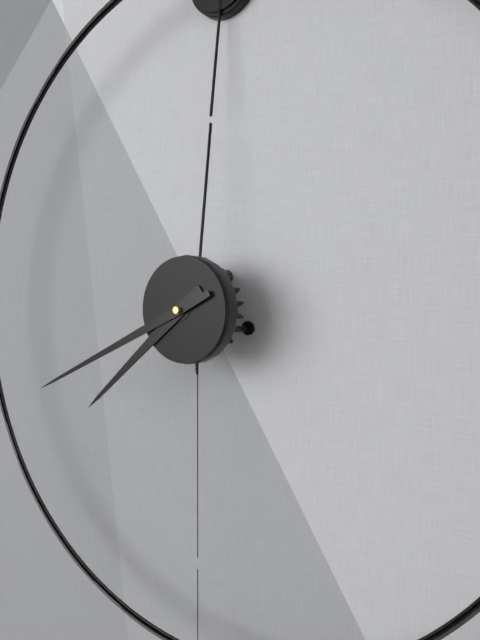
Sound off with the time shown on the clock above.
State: 7:41
